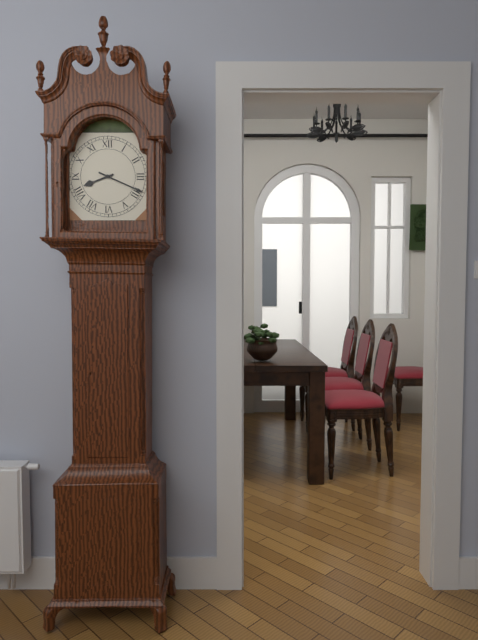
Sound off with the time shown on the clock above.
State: 8:19
